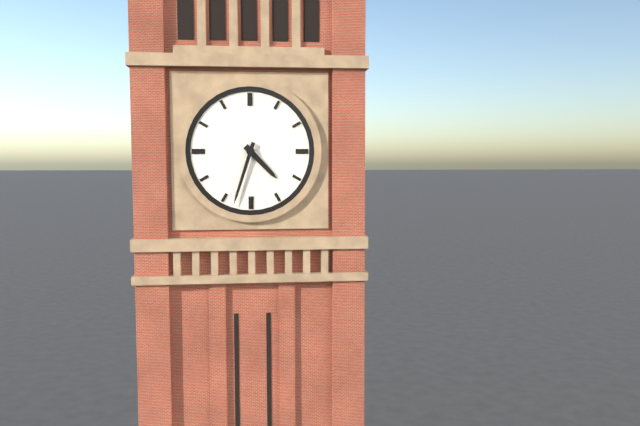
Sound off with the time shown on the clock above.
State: 4:33
